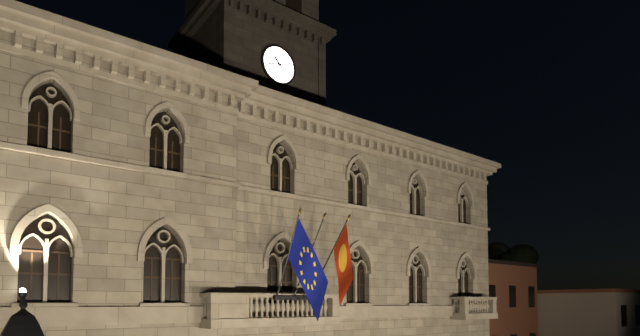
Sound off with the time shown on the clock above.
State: 10:43
